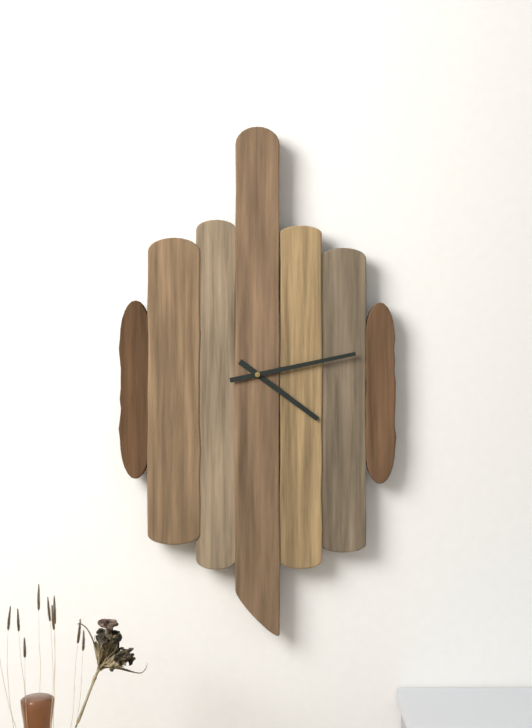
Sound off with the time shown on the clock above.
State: 4:13
